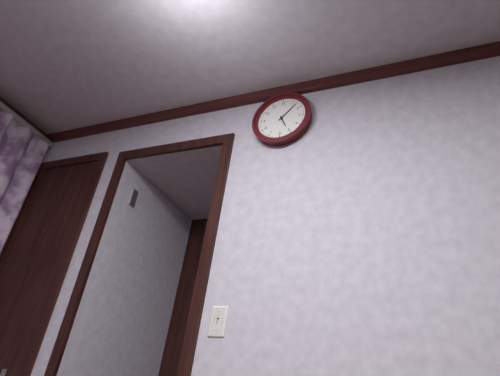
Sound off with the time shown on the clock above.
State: 5:07
